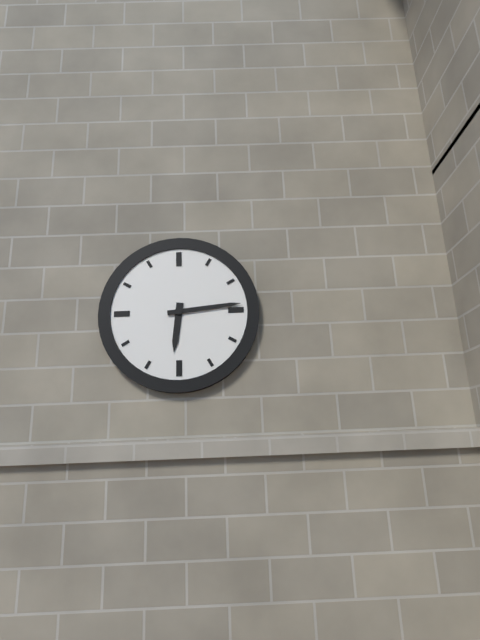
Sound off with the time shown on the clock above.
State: 6:14
